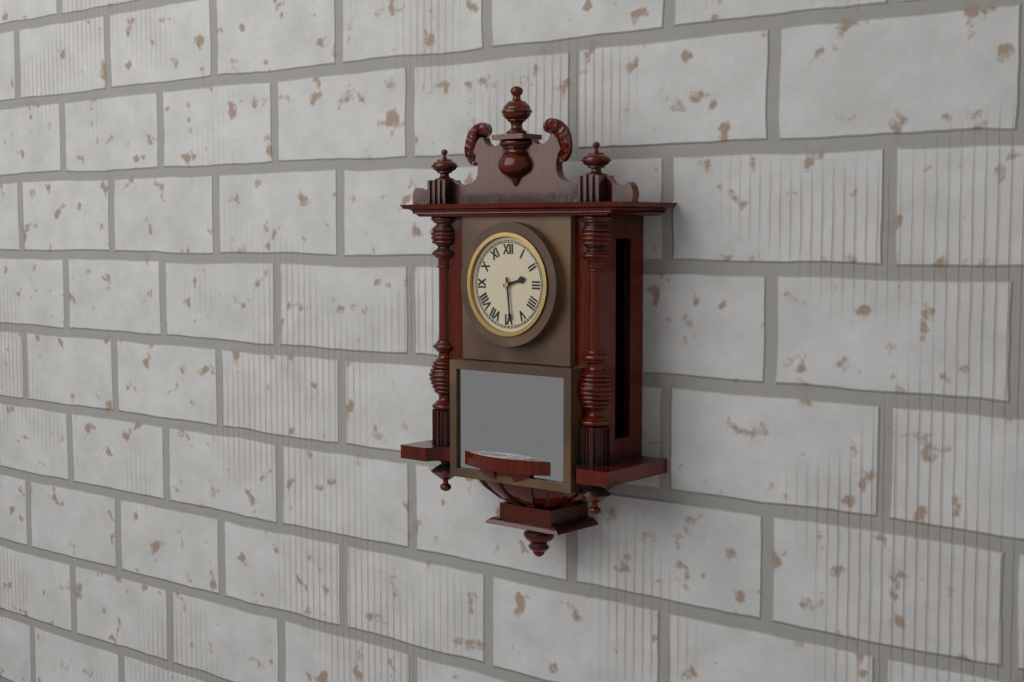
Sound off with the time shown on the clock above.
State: 2:29
